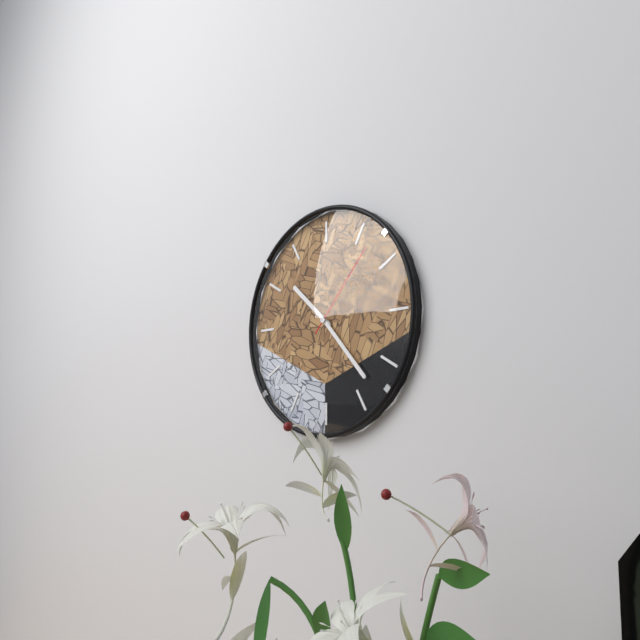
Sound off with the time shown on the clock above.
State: 10:23:07
